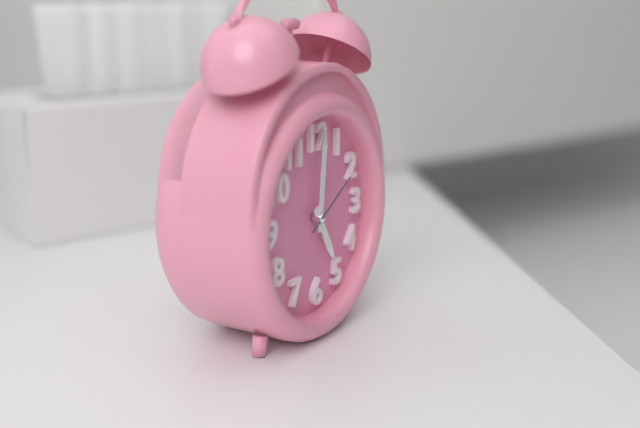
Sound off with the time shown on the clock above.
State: 5:01:10
